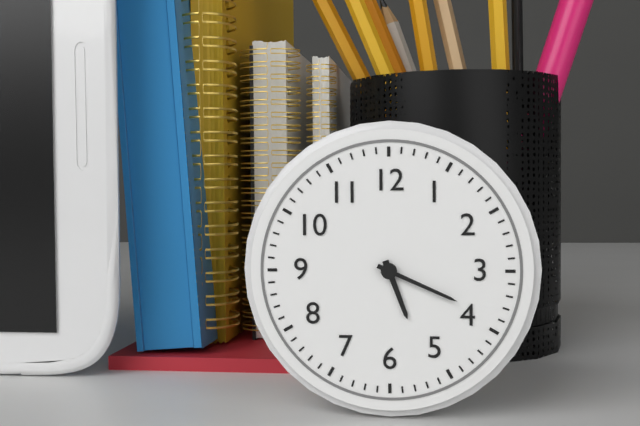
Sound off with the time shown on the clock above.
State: 5:19
